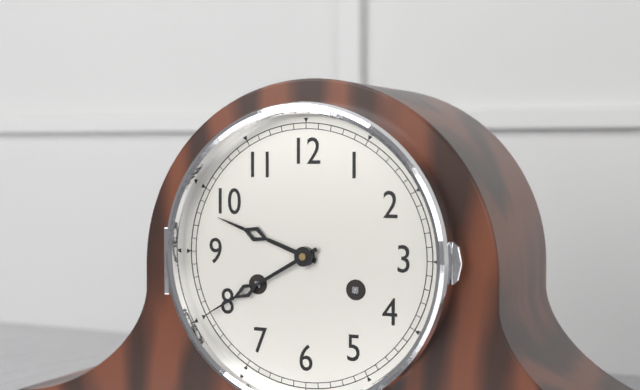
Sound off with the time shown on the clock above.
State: 9:40
